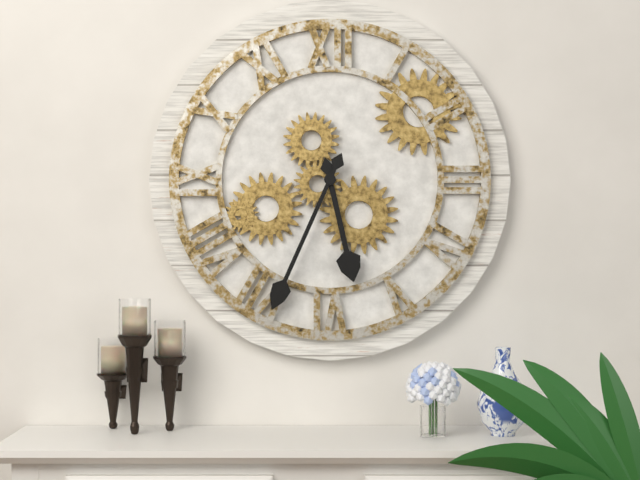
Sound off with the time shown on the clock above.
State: 5:34
